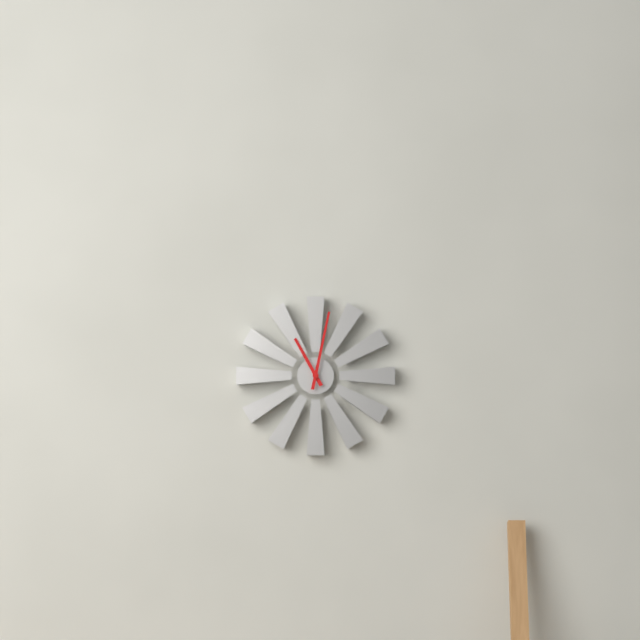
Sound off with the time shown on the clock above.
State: 11:02
